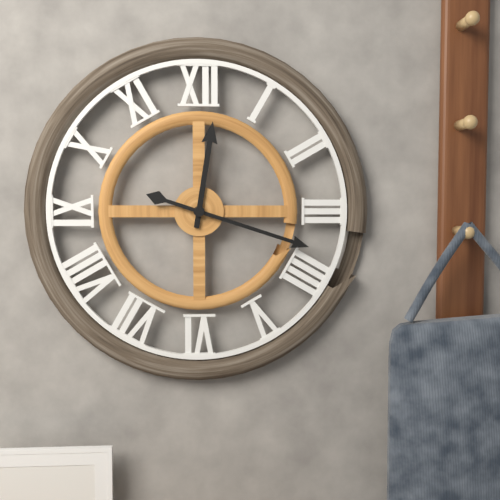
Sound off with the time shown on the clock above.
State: 12:18
